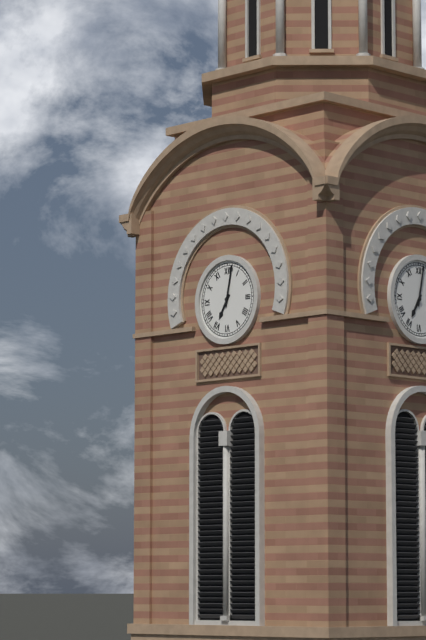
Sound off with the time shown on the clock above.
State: 7:02
